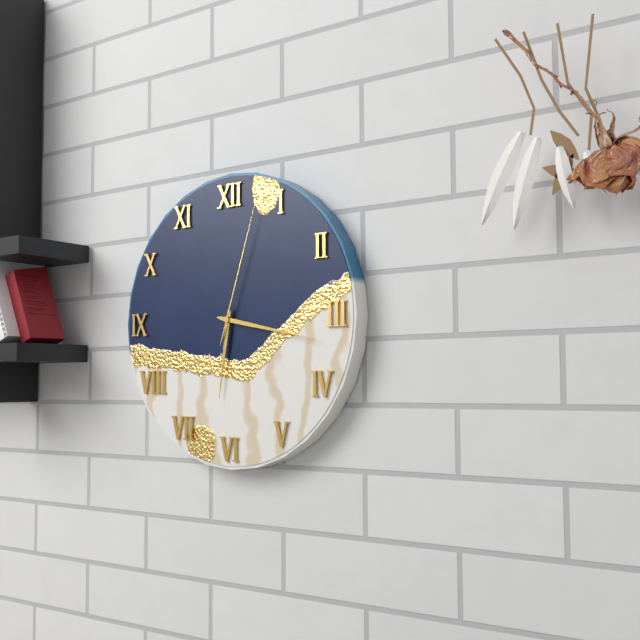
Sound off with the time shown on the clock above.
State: 6:17:03
